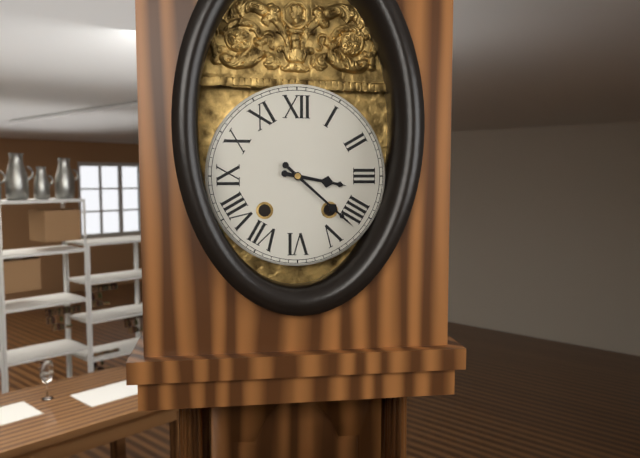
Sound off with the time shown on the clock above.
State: 3:22
